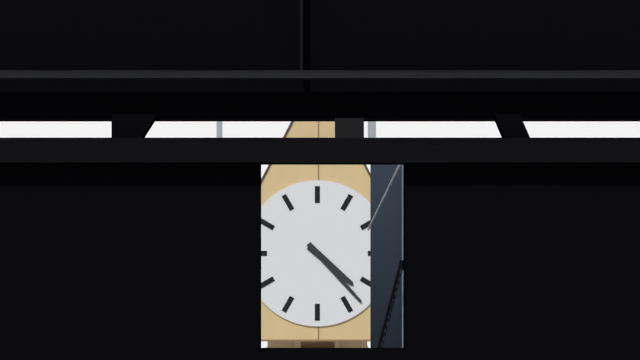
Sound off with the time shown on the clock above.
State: 4:23
